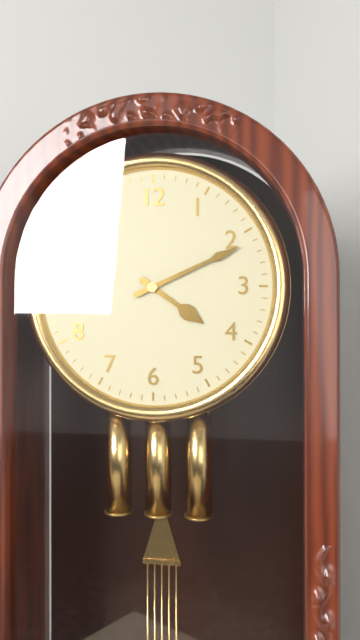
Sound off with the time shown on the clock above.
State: 4:11
